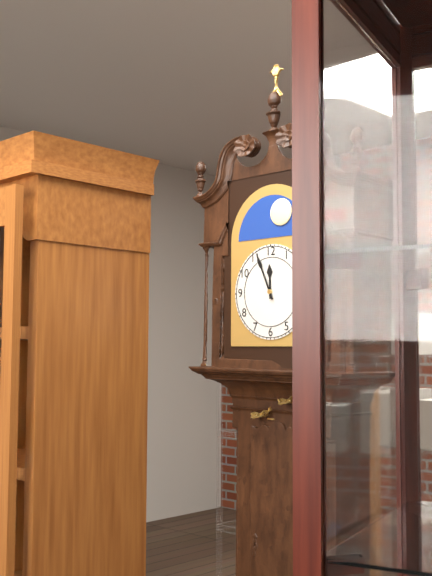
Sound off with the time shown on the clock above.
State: 11:56
